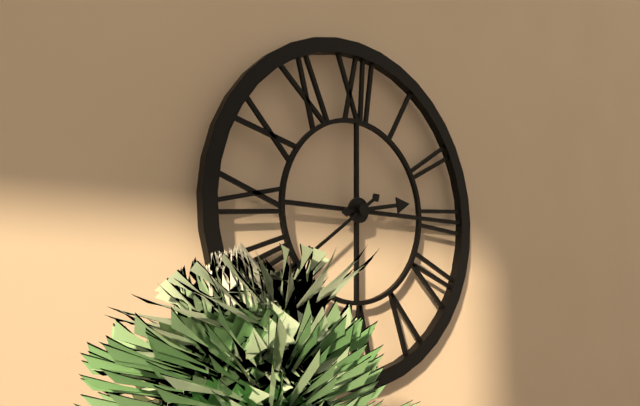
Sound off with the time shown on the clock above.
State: 2:39
